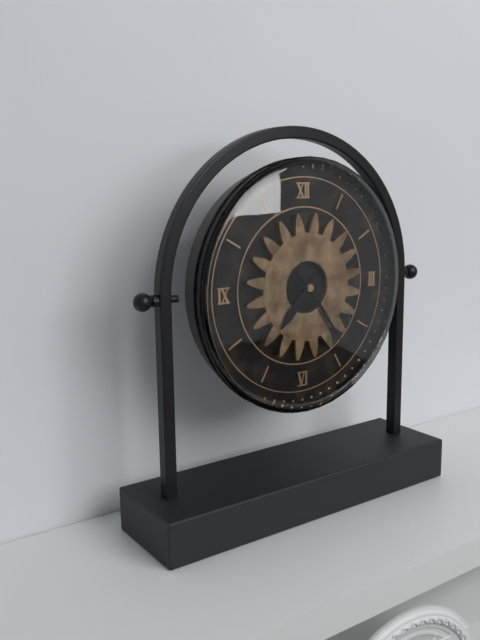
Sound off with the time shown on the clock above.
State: 7:24
